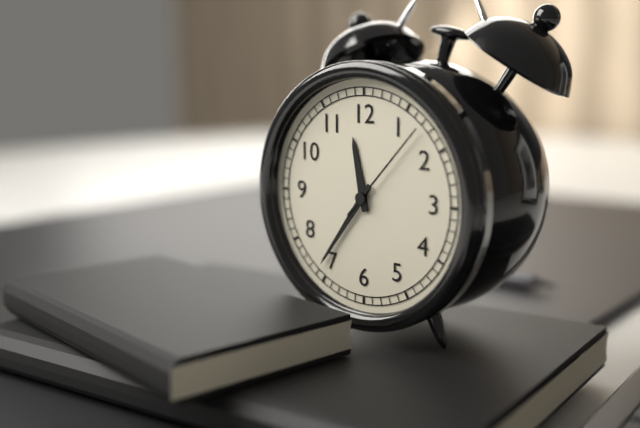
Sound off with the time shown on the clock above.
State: 11:36:07
